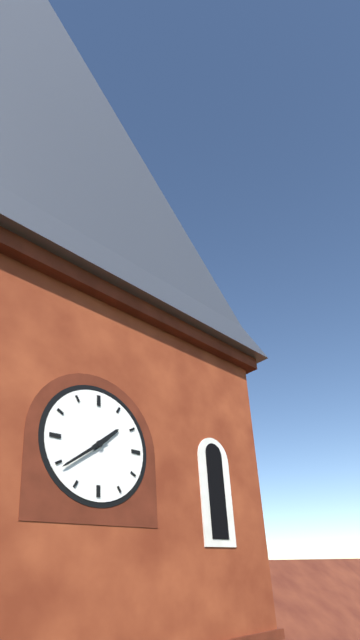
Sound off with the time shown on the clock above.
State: 1:39
